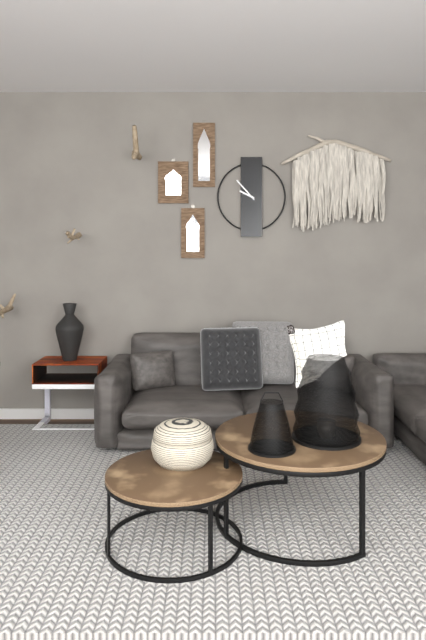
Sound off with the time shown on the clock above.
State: 9:53
